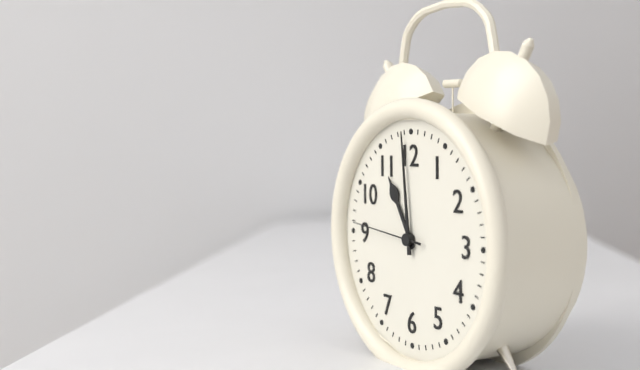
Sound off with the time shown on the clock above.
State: 10:59:46
